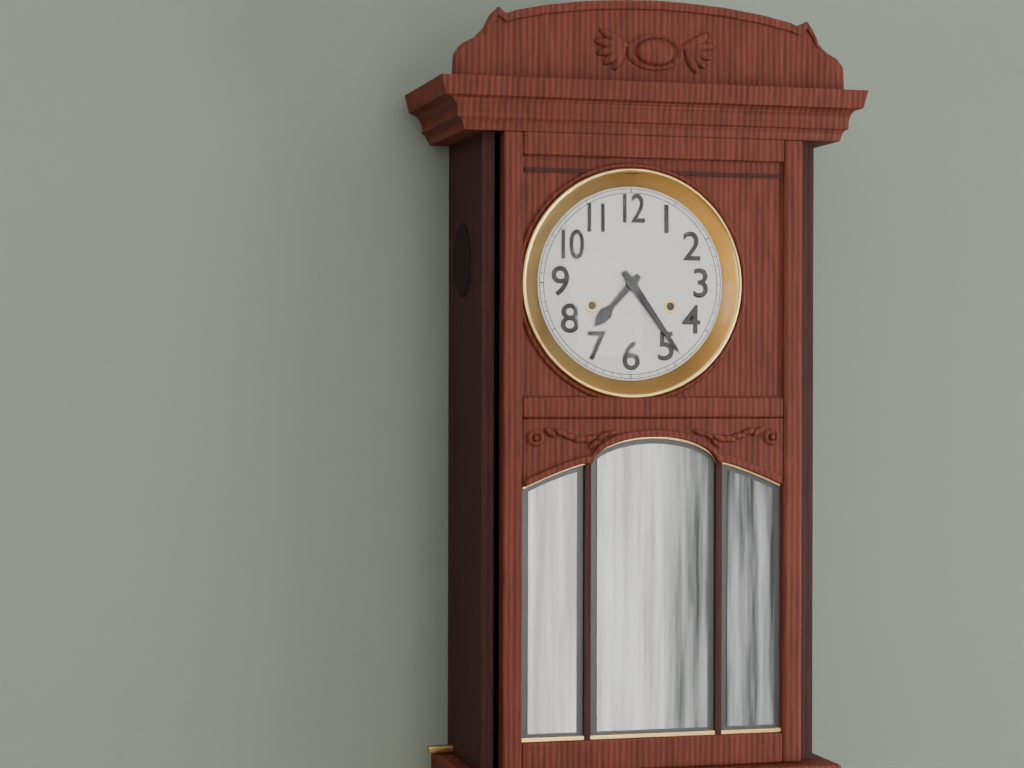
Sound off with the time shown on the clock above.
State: 7:24
